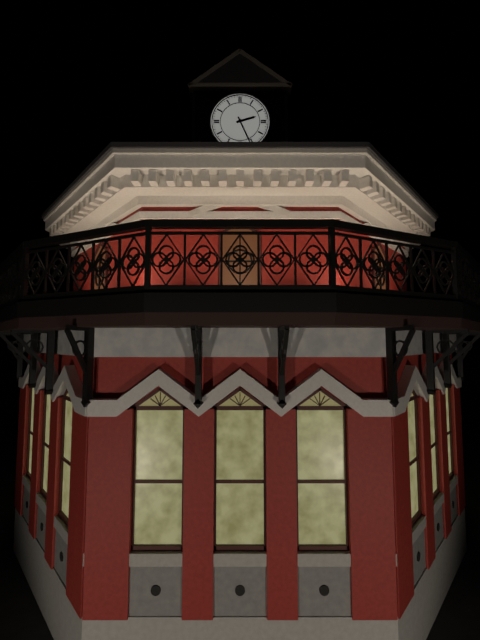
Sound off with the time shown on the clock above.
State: 2:26
